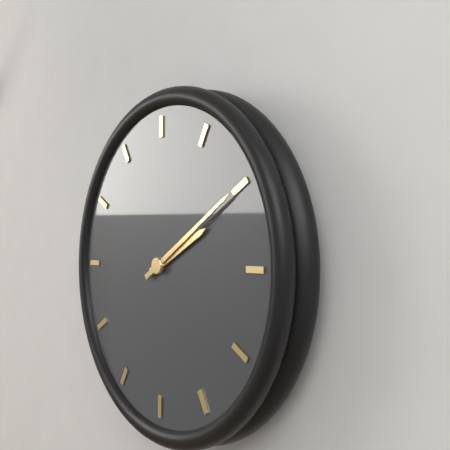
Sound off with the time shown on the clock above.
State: 2:10
